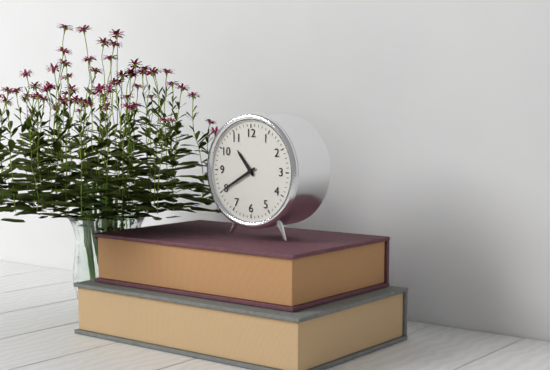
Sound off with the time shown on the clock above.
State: 10:40
